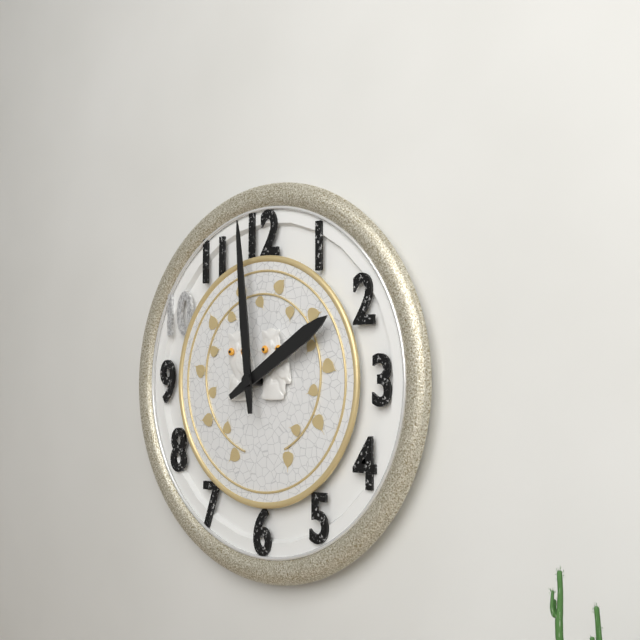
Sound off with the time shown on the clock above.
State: 1:59
